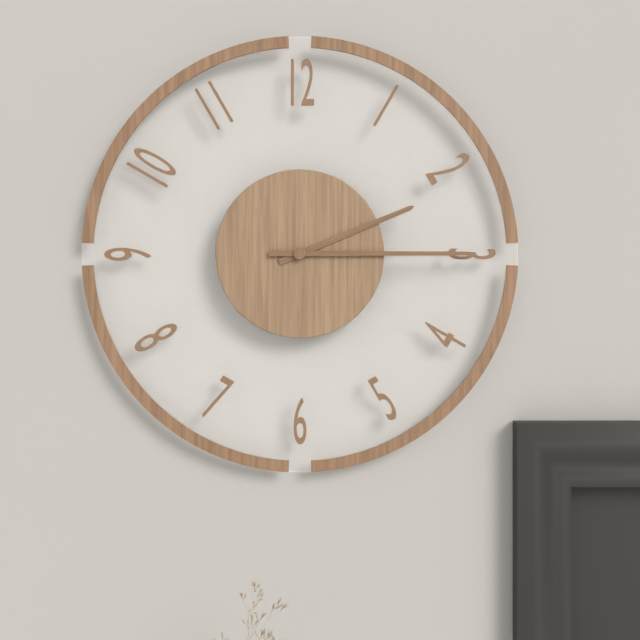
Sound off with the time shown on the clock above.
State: 2:15
